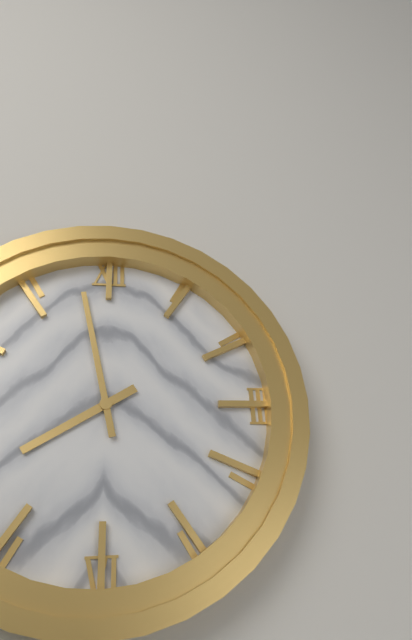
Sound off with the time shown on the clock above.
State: 7:58
